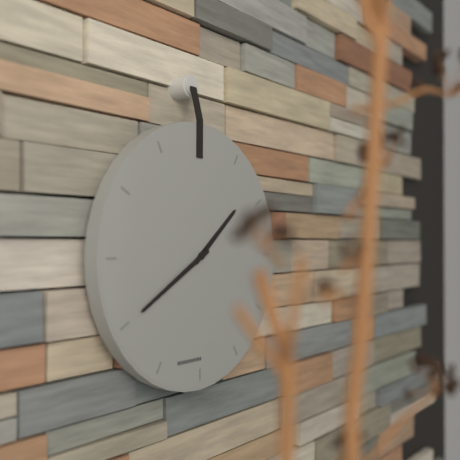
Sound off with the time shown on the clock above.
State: 1:40
